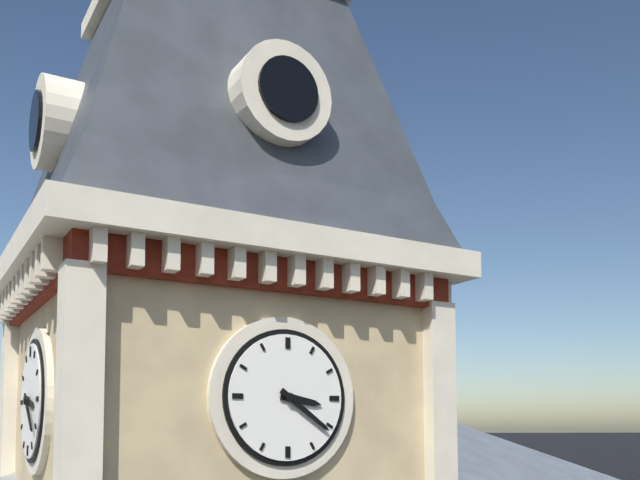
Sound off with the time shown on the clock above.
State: 3:21
